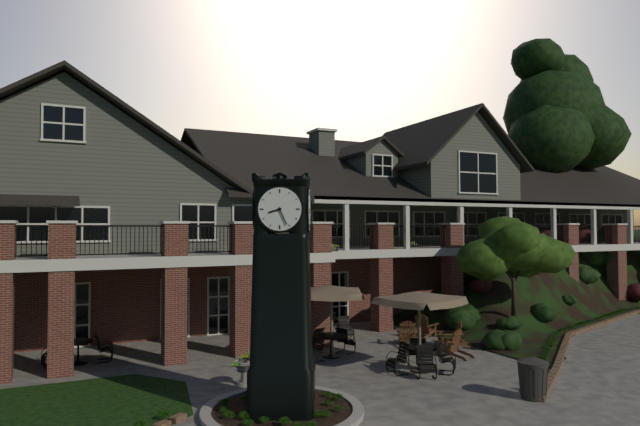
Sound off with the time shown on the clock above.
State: 8:26
